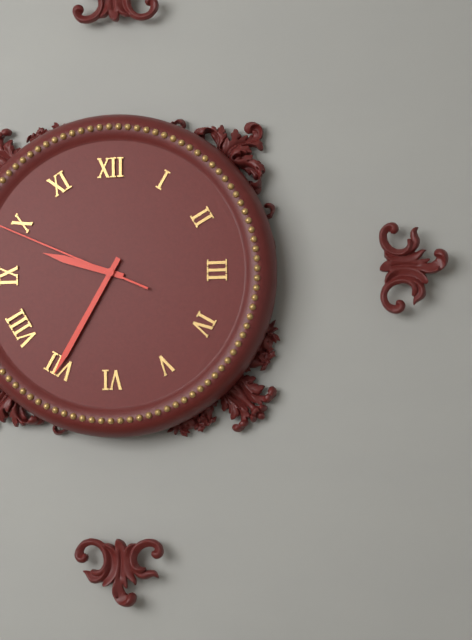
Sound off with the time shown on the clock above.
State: 9:35
